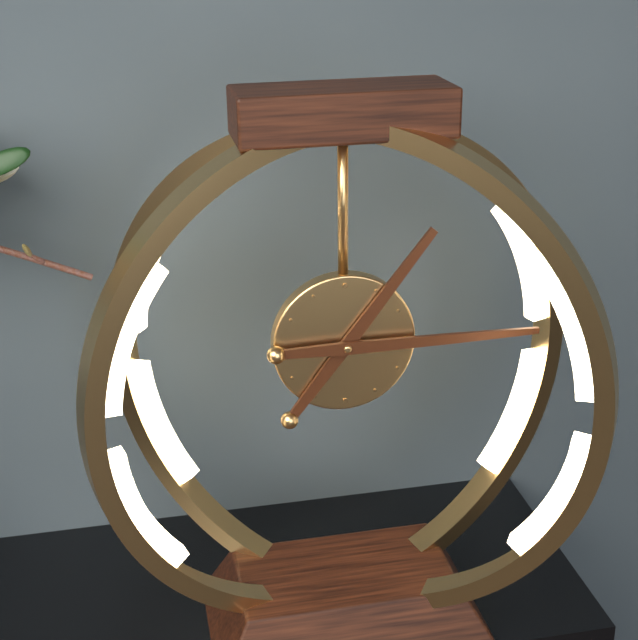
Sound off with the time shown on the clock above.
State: 1:15
